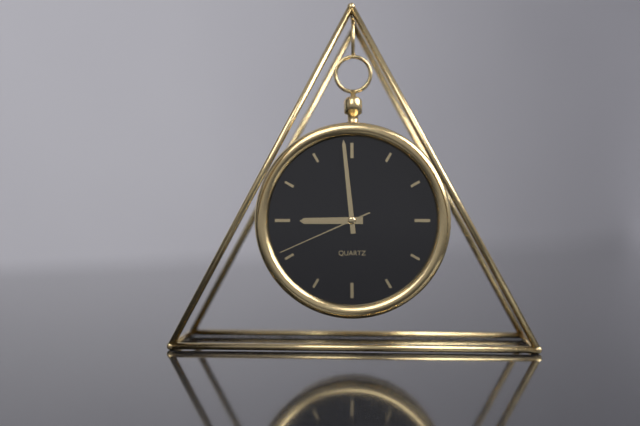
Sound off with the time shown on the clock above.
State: 8:59:41
